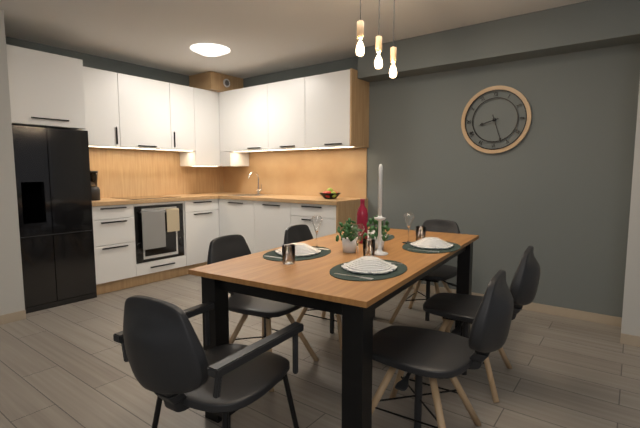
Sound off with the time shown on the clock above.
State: 8:27
